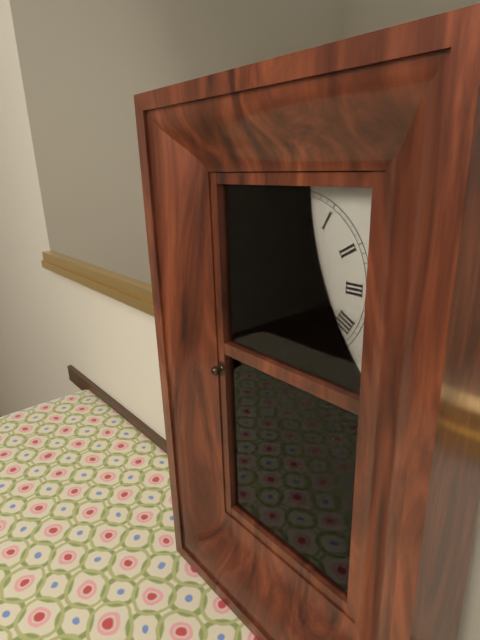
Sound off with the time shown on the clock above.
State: 6:39
